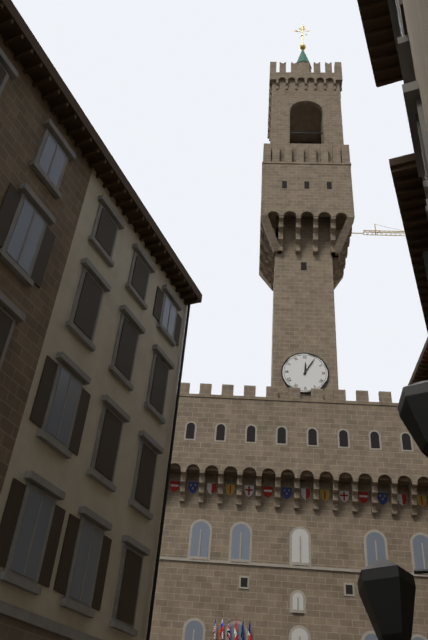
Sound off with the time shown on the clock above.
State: 12:05
